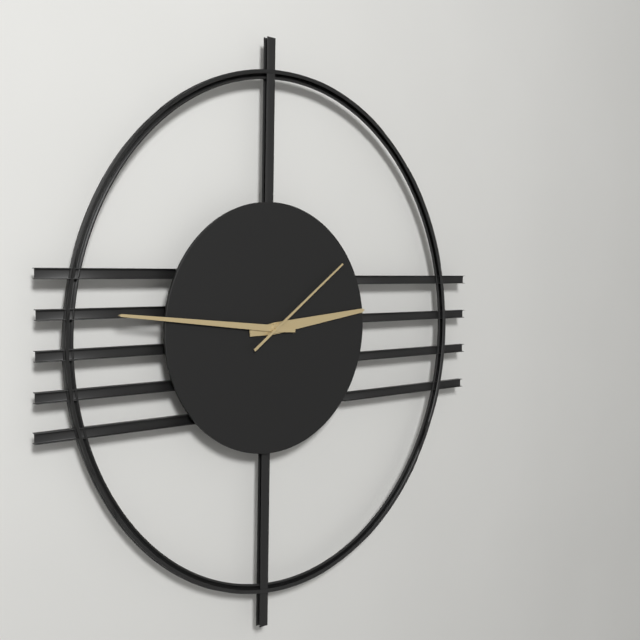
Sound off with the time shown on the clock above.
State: 2:46:09
